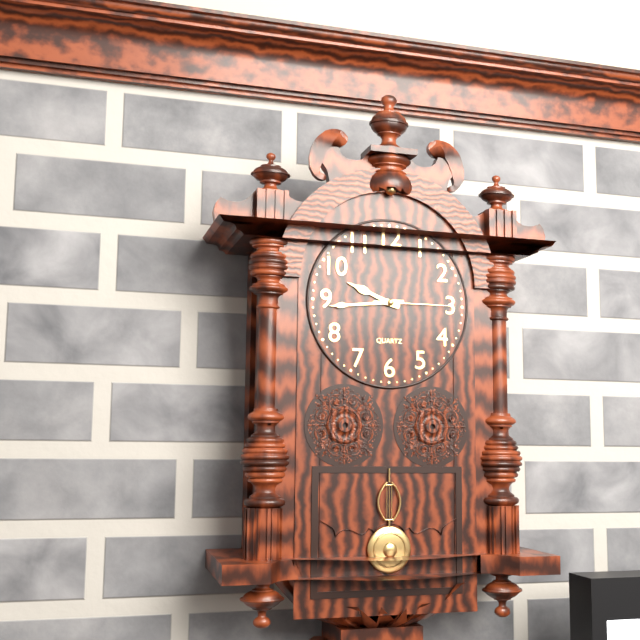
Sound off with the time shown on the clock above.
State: 9:44:15
